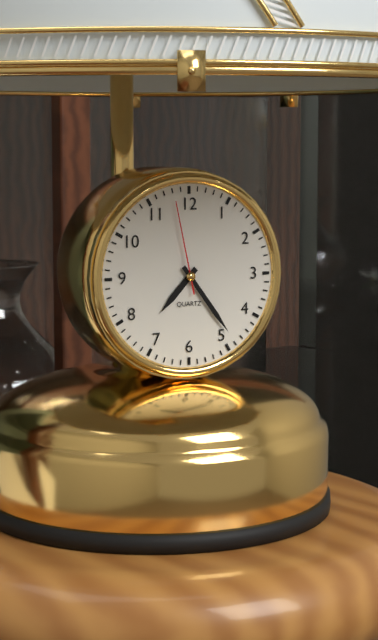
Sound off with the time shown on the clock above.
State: 7:24:58
